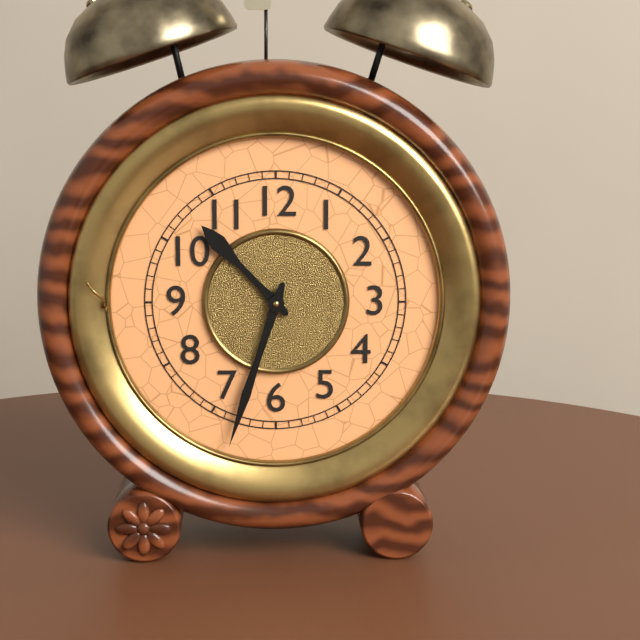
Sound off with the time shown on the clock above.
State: 10:33
